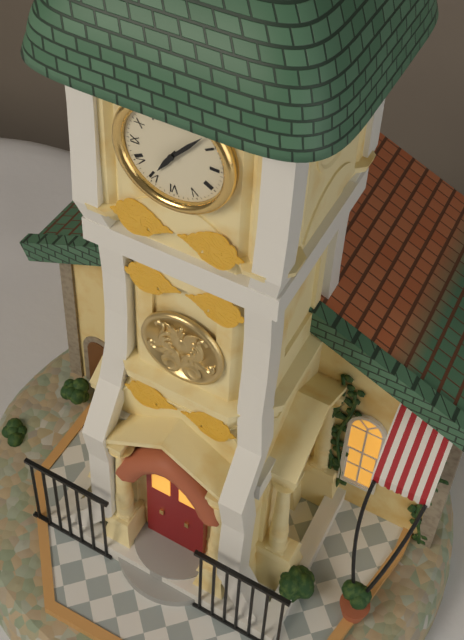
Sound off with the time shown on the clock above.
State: 7:07
